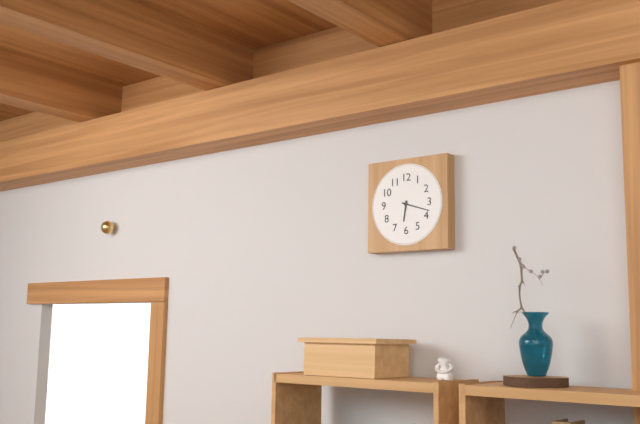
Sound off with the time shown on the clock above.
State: 6:18
